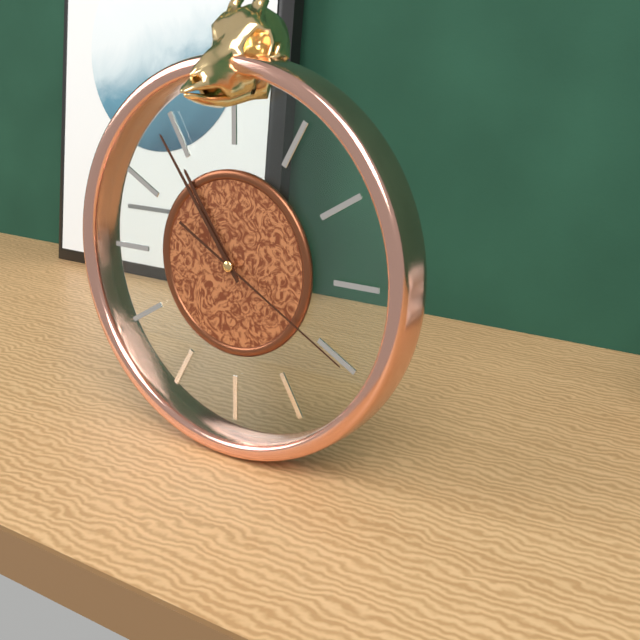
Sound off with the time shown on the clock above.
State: 10:54:20
